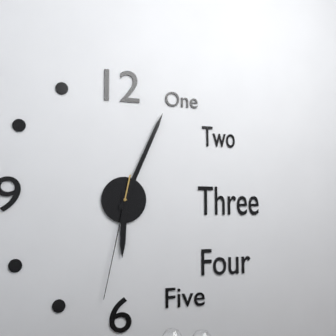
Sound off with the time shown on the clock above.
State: 6:04:32
